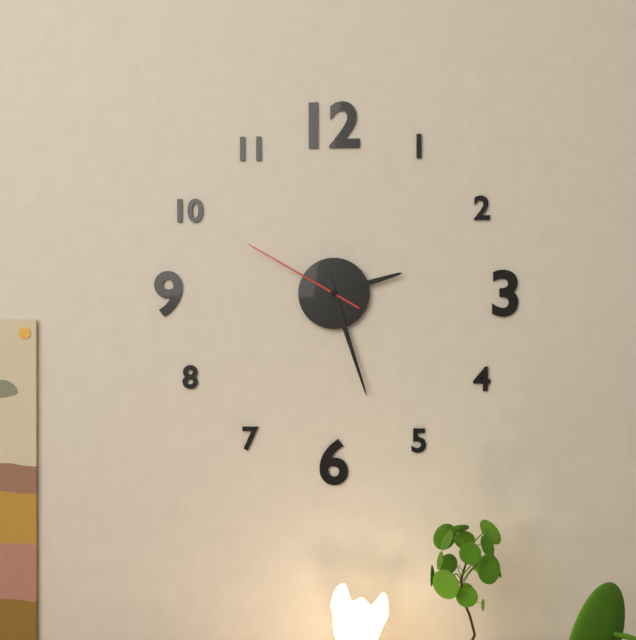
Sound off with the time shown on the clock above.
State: 2:27:50
